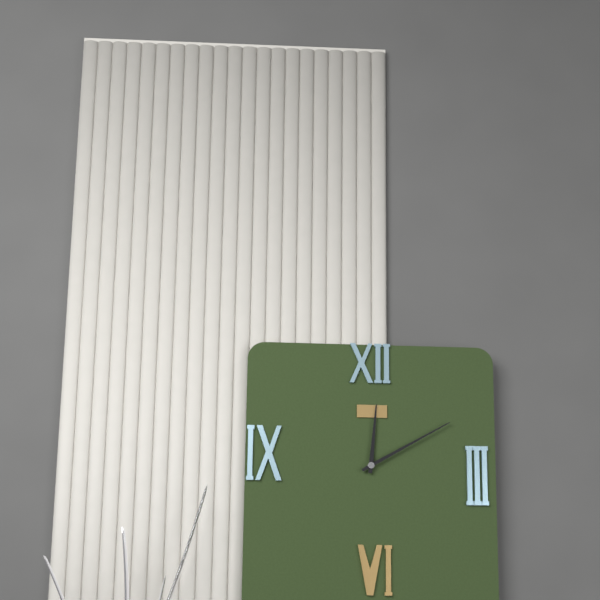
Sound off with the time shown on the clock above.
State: 12:10
